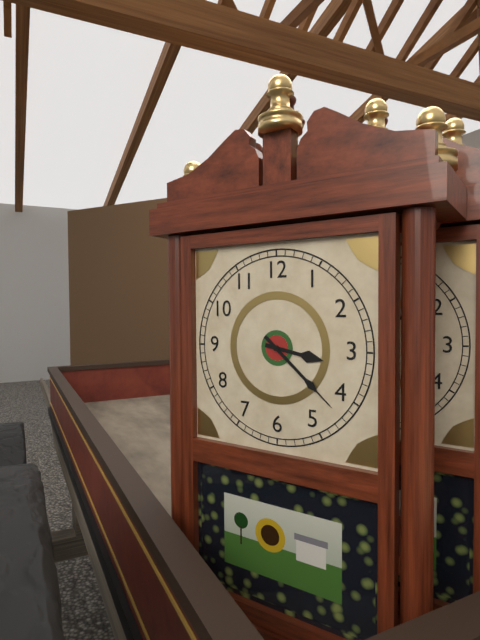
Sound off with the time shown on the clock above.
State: 3:22
